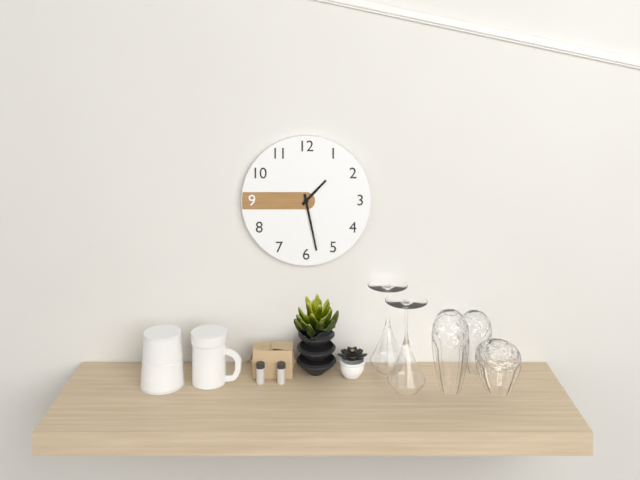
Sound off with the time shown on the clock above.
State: 1:28
